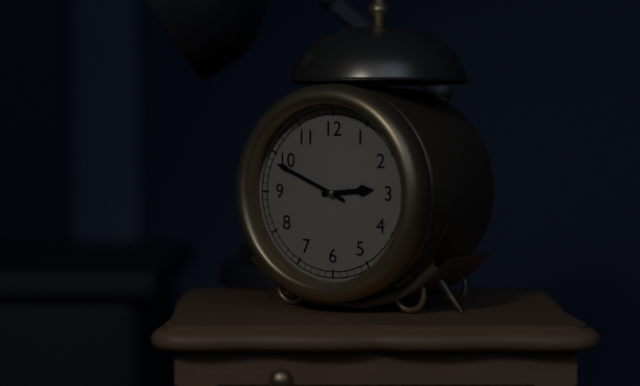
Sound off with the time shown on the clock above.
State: 2:49
